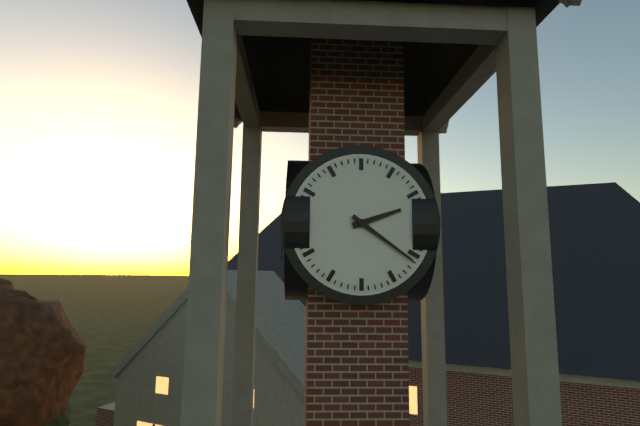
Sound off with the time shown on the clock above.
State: 2:21
